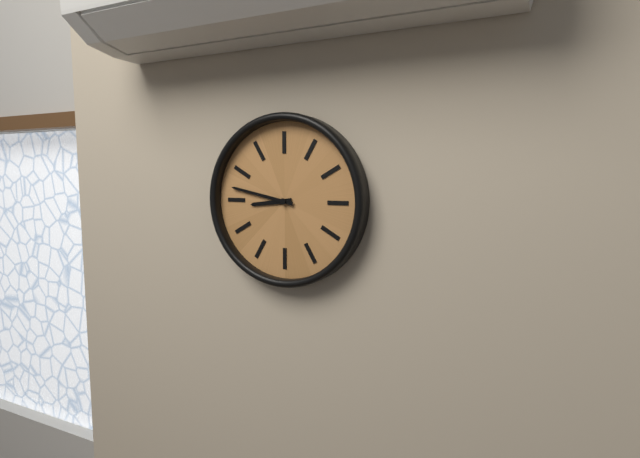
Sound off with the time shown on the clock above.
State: 8:47
